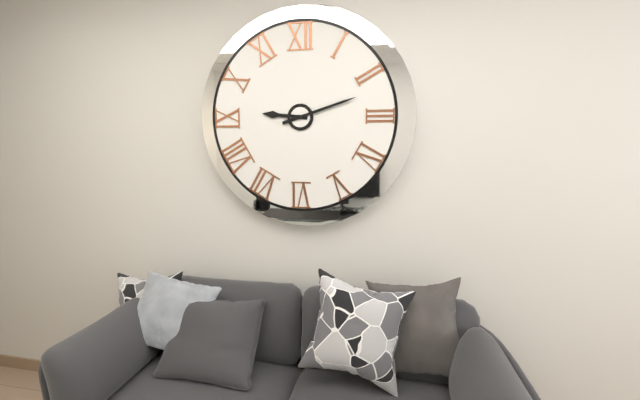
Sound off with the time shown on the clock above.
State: 9:12
